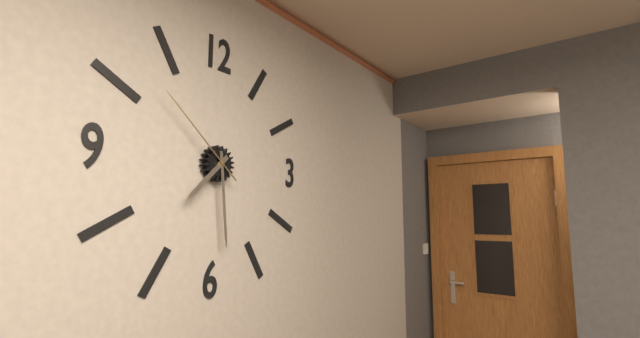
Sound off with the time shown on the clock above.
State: 7:29:52
